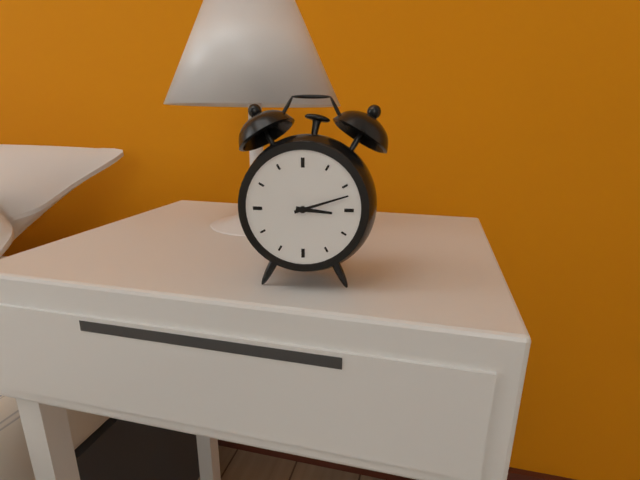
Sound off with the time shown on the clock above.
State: 3:12
